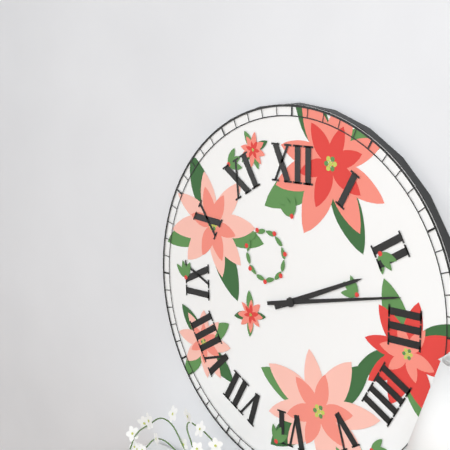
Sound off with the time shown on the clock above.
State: 2:13
